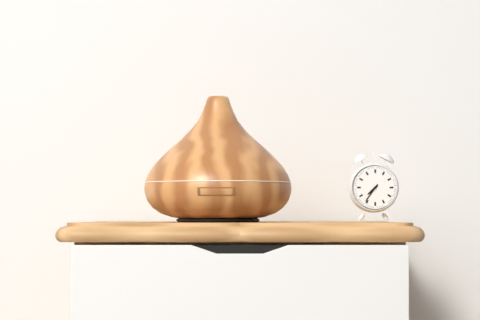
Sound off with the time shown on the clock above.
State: 7:36
